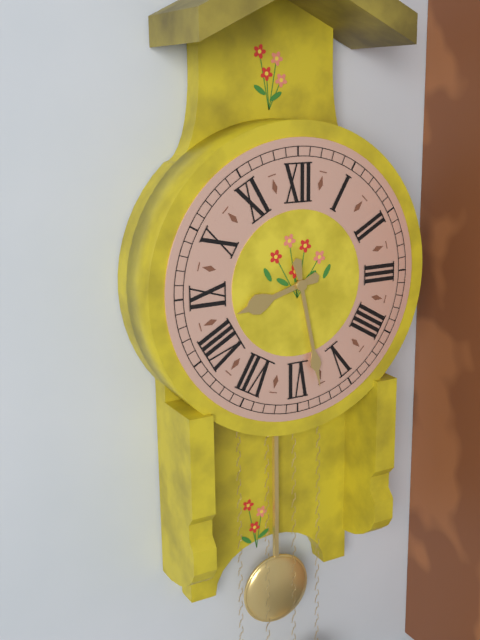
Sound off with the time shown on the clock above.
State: 8:28
